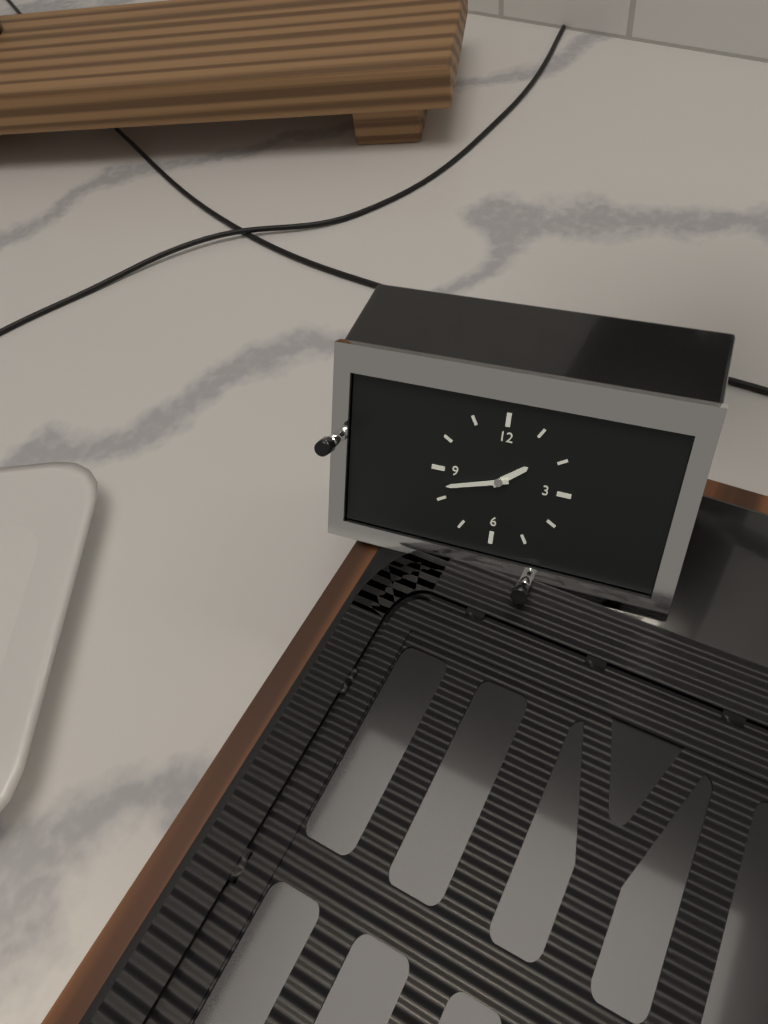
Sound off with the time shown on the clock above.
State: 1:42
